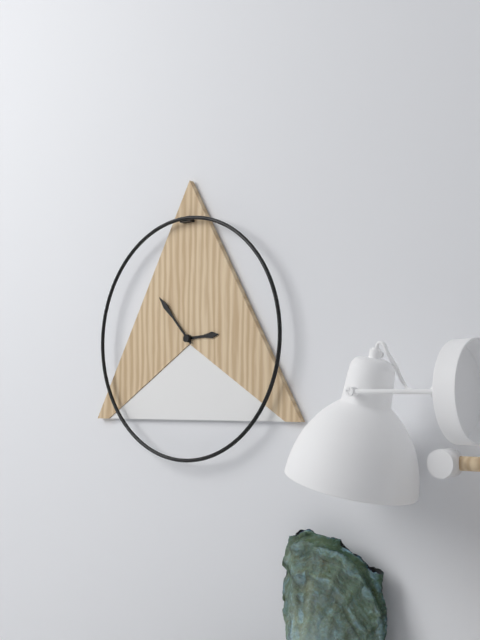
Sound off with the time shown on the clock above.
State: 2:53
